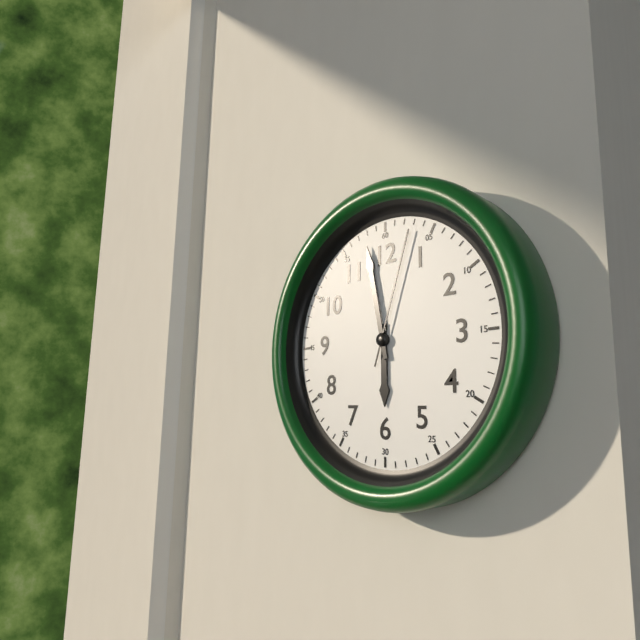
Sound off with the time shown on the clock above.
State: 5:58:03
